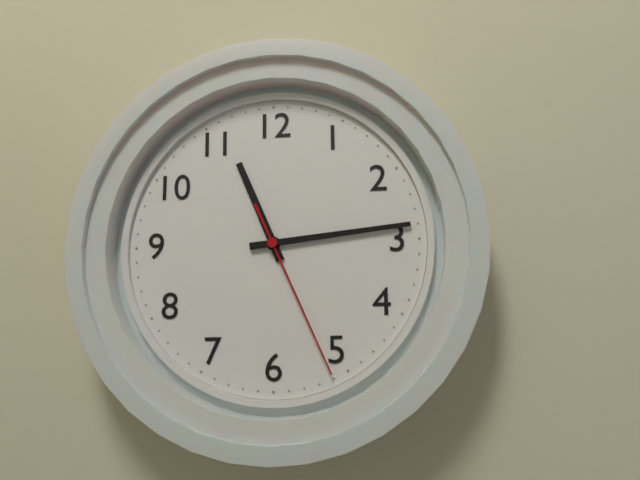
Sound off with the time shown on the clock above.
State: 11:14:26
